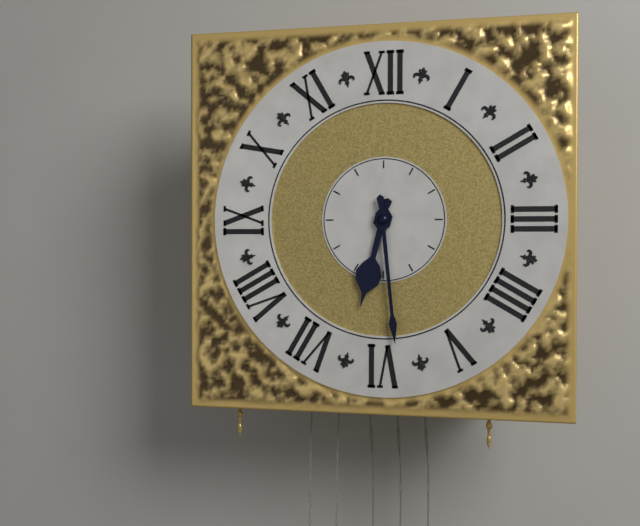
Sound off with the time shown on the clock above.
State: 6:29
